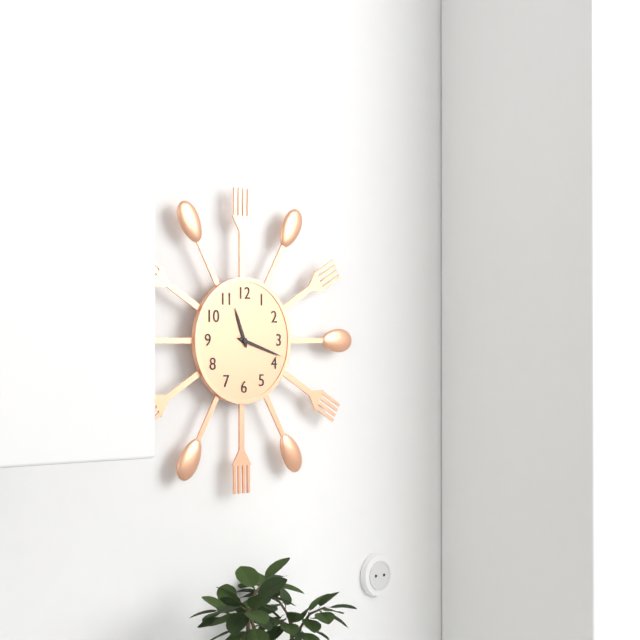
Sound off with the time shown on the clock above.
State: 11:18
